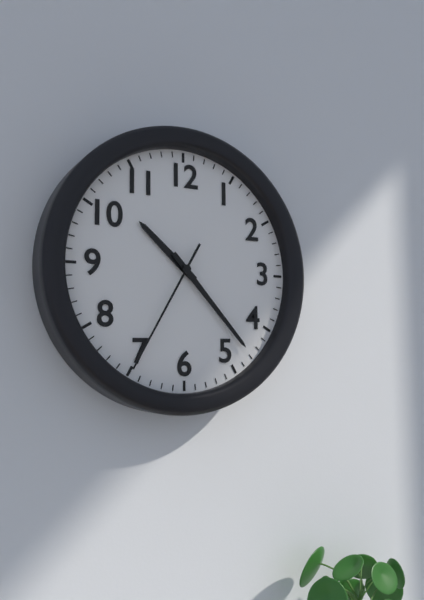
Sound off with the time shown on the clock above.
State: 10:23:35
